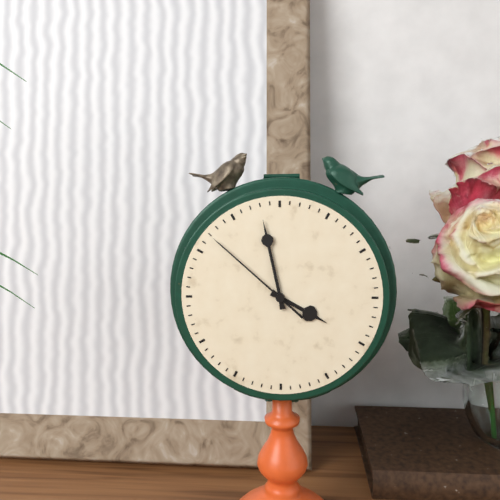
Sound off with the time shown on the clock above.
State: 3:58:52
